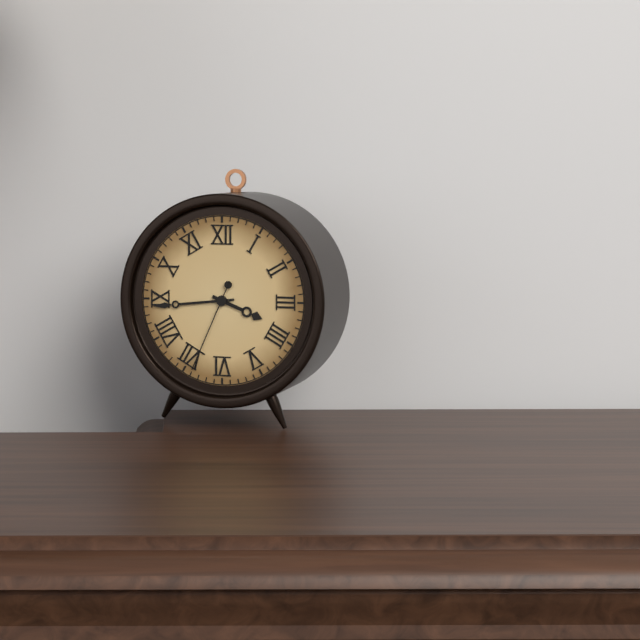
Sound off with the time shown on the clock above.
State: 3:44:34
